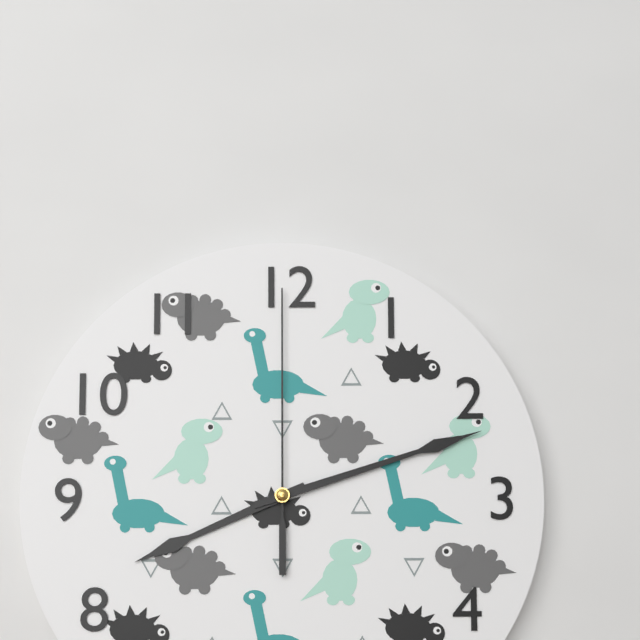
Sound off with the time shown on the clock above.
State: 8:12:00
